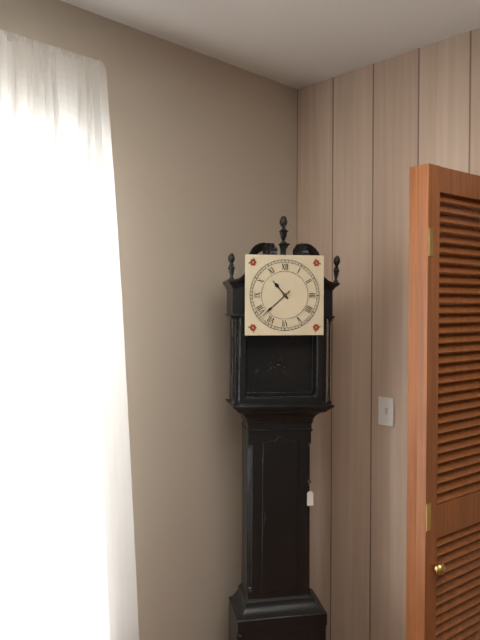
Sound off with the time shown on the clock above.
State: 10:38
